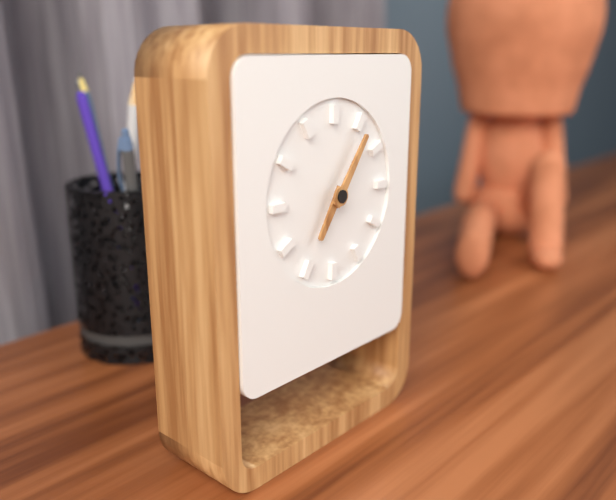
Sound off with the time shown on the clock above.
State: 7:06
